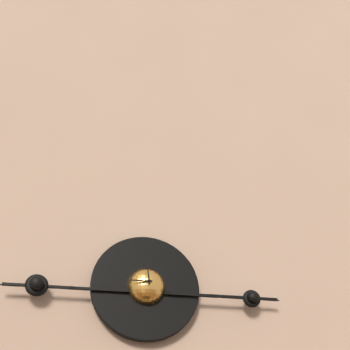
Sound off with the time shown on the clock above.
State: 8:59
